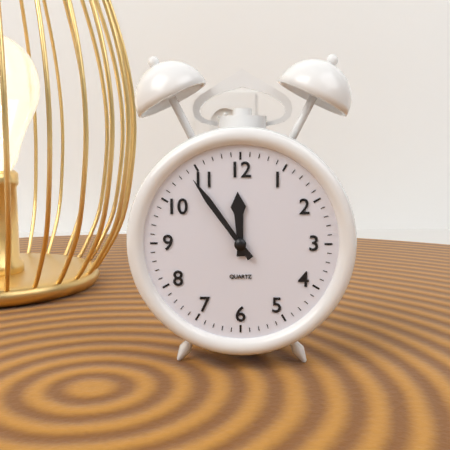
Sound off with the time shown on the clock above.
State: 11:54
